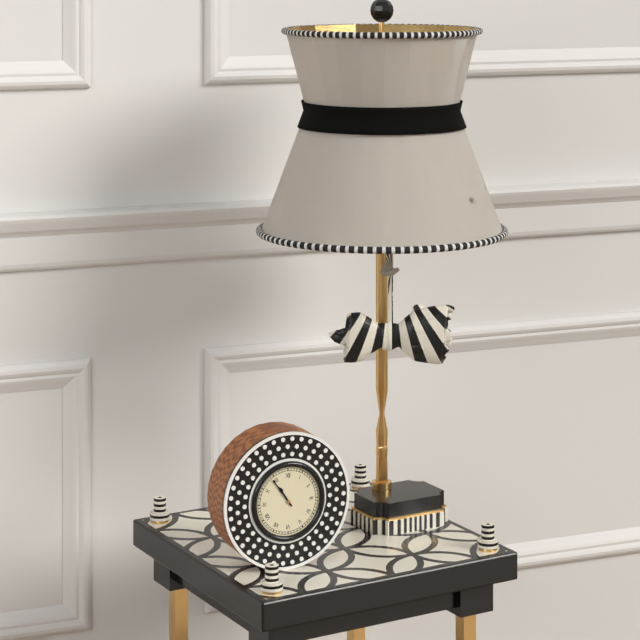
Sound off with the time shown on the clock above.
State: 10:54
